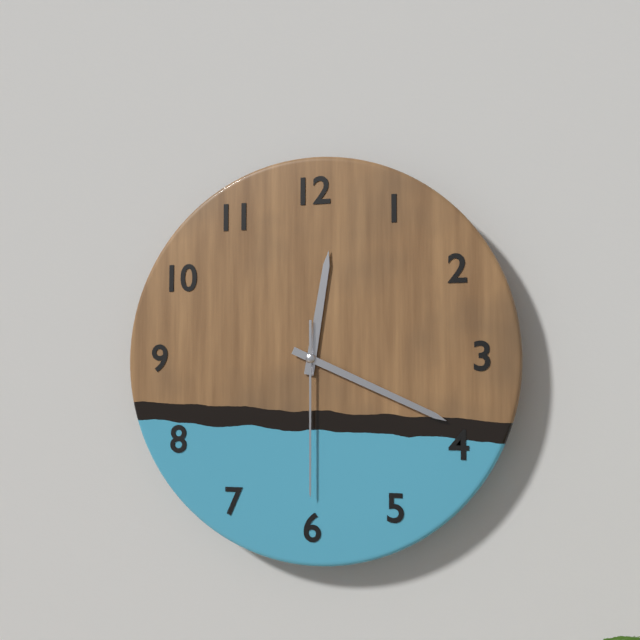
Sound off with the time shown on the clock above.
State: 12:19:30
